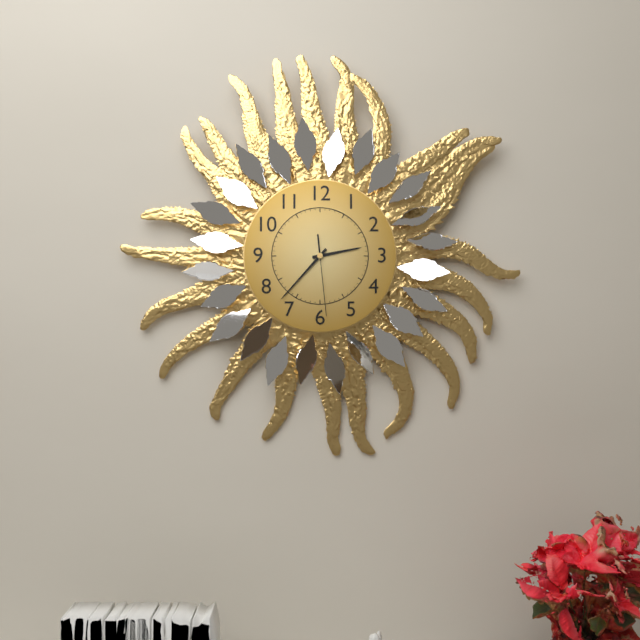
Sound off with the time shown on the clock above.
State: 2:37:29
